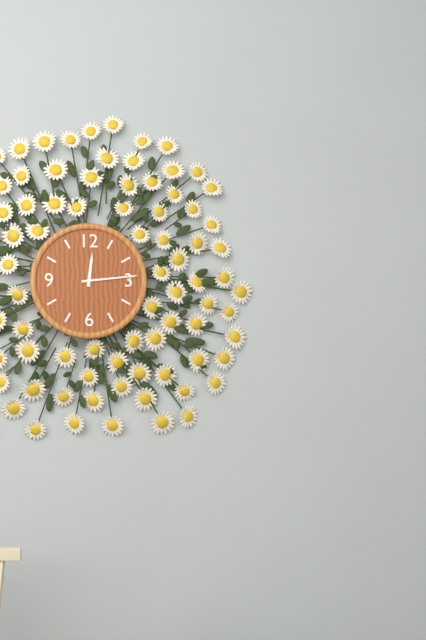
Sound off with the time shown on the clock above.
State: 12:14
